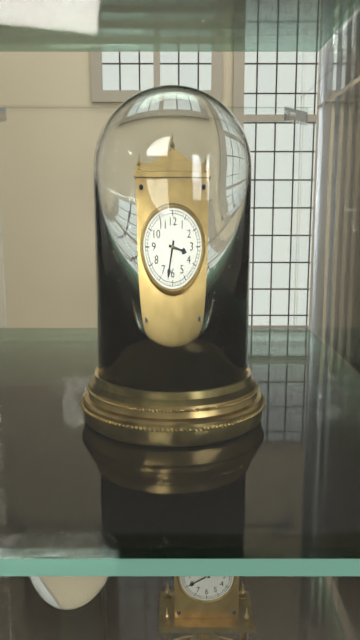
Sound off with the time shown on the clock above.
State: 3:32
